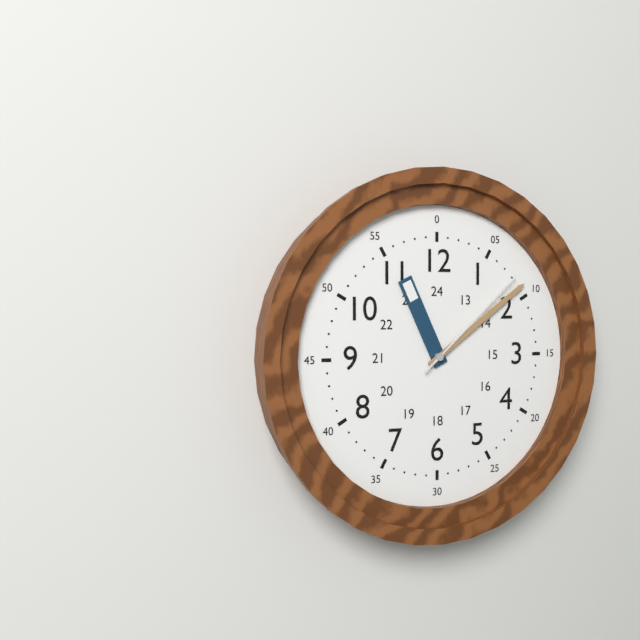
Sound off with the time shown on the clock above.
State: 11:09:08
